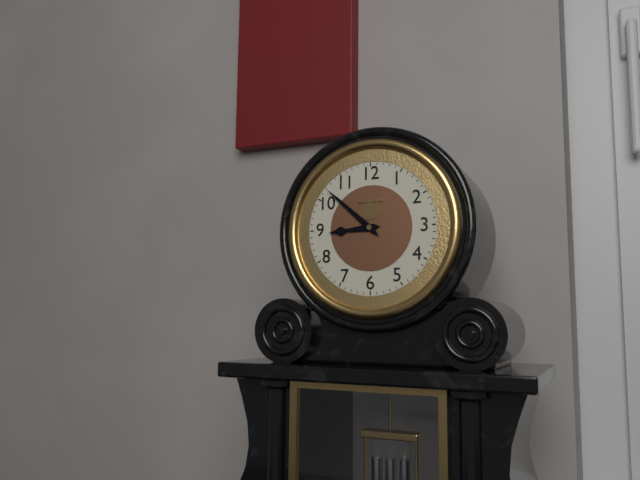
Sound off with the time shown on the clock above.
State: 8:52
